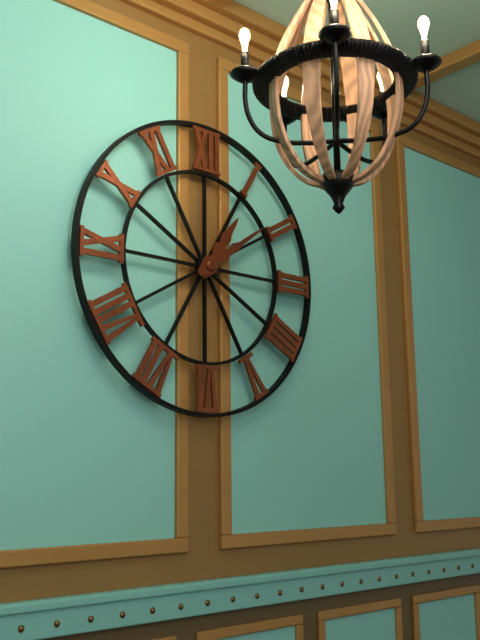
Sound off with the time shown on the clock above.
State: 1:09
